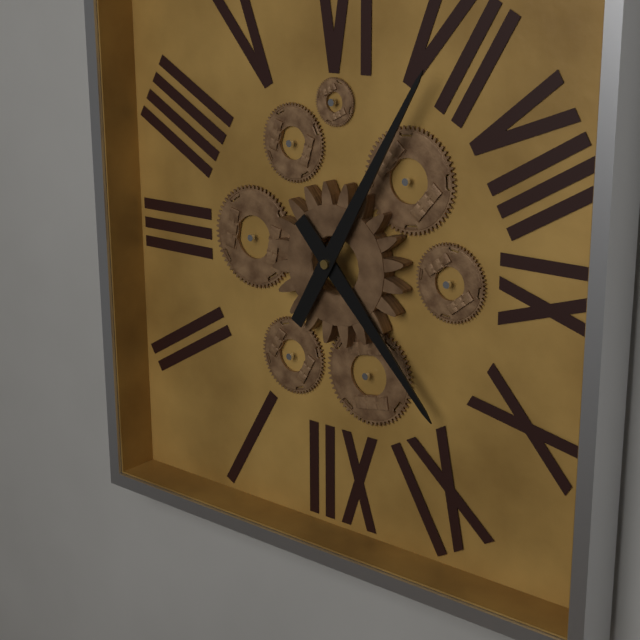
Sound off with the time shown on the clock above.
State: 10:35
